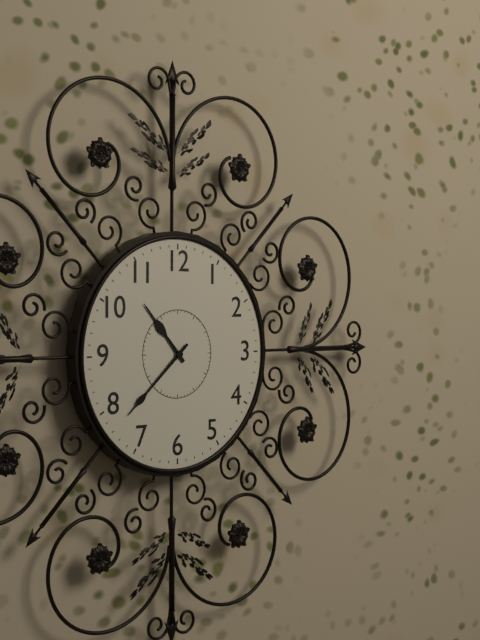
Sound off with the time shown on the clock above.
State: 10:38
